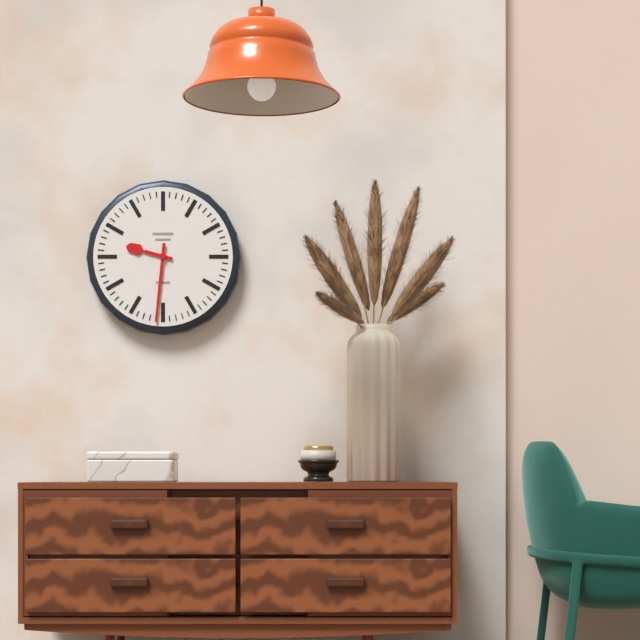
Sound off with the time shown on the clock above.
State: 9:31
